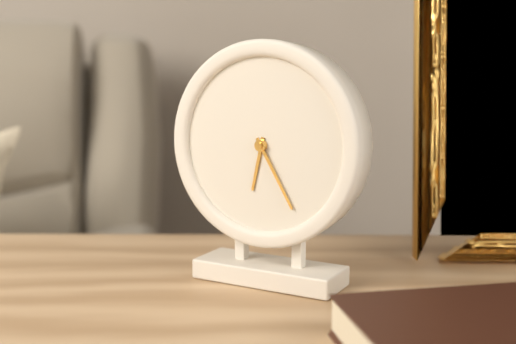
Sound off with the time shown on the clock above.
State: 6:25
